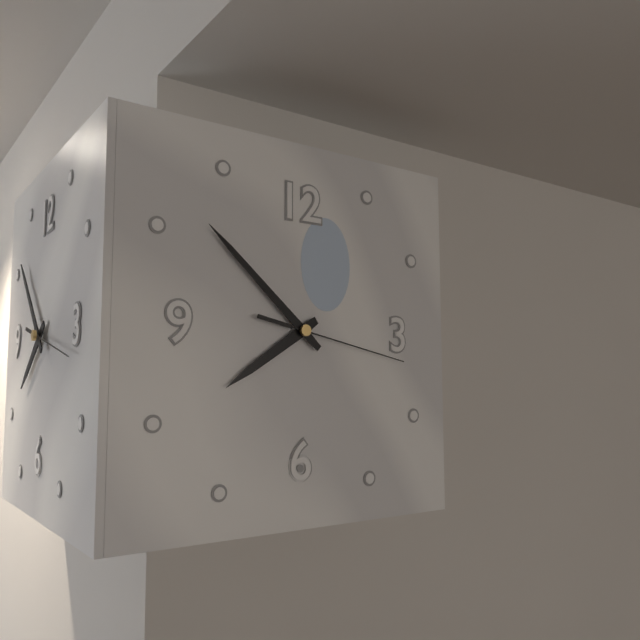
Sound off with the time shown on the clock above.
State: 7:52:17
